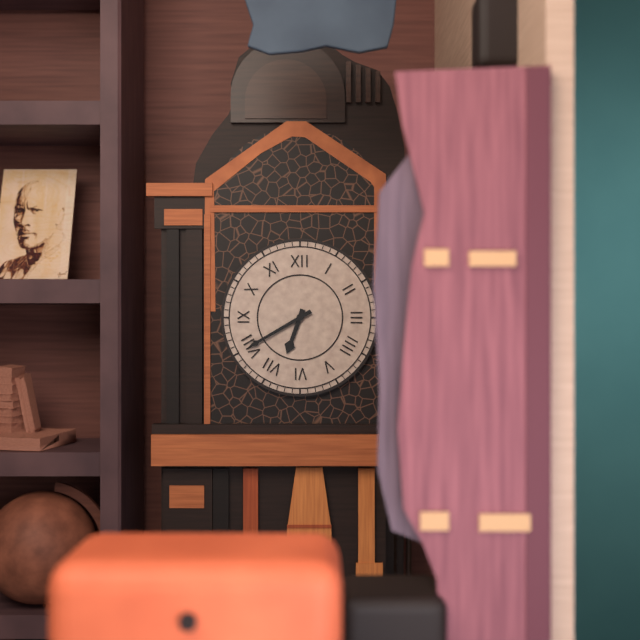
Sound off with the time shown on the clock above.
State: 6:40
